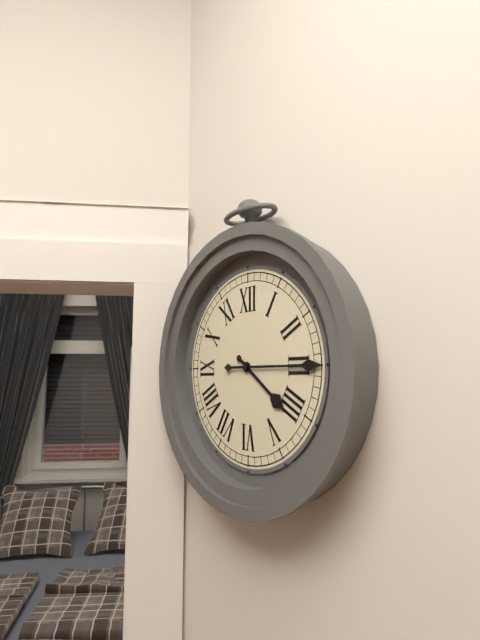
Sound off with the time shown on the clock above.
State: 4:15
